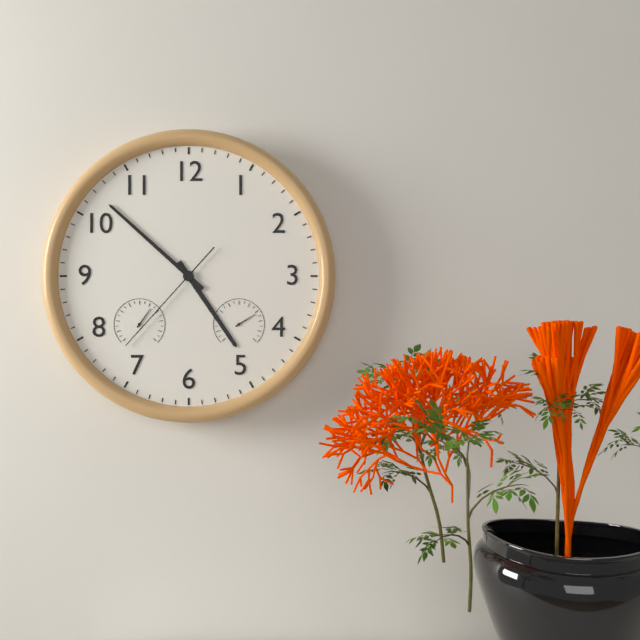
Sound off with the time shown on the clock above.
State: 4:52:37
